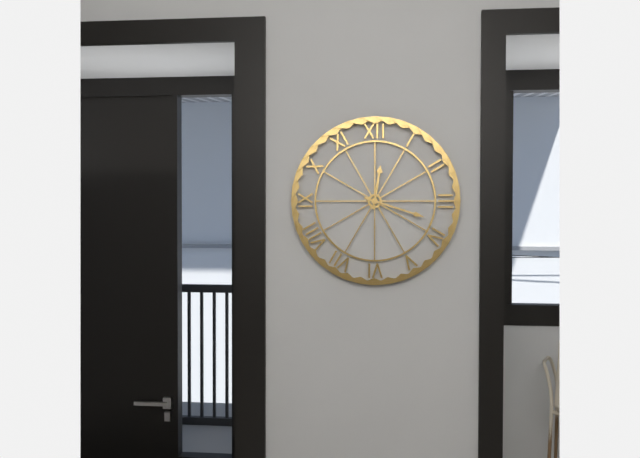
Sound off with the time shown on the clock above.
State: 12:18
